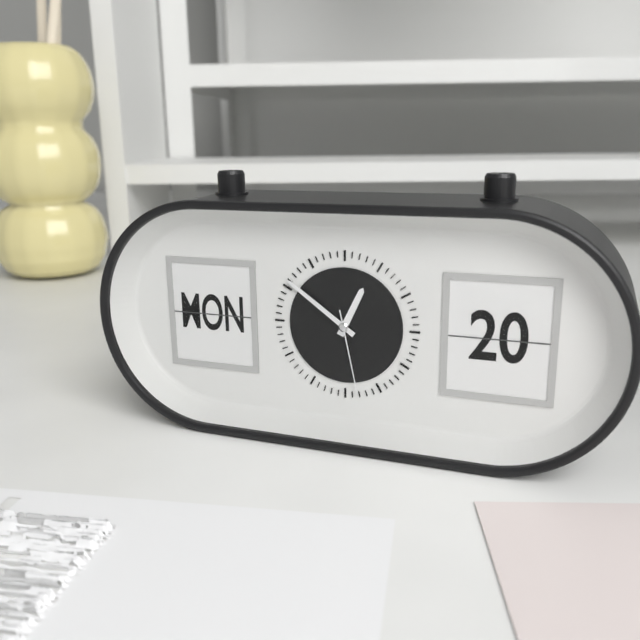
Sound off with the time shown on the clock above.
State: 12:51:28
